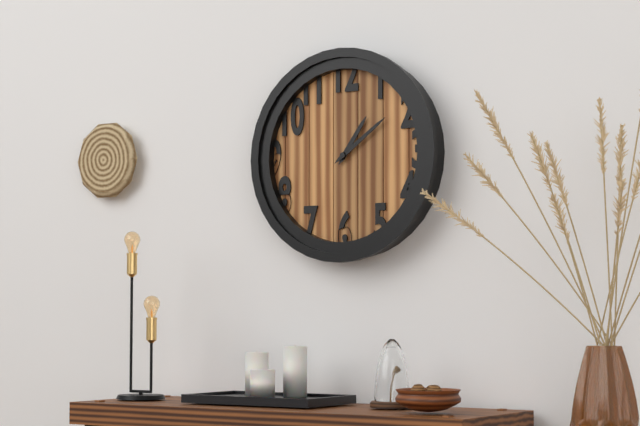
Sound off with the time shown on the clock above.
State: 1:09
